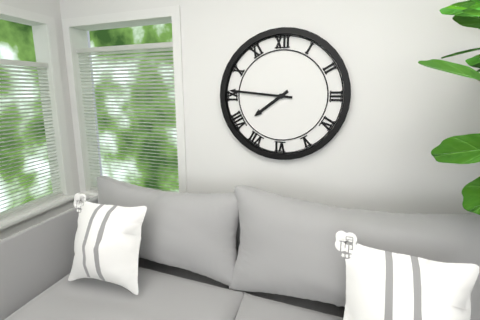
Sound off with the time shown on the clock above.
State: 7:46
